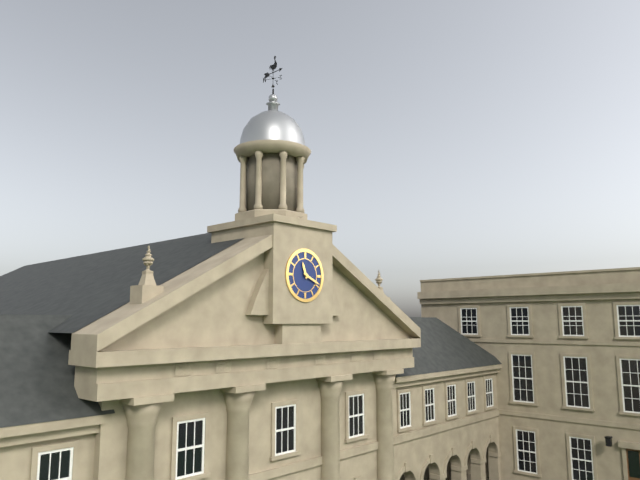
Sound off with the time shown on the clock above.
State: 11:19
